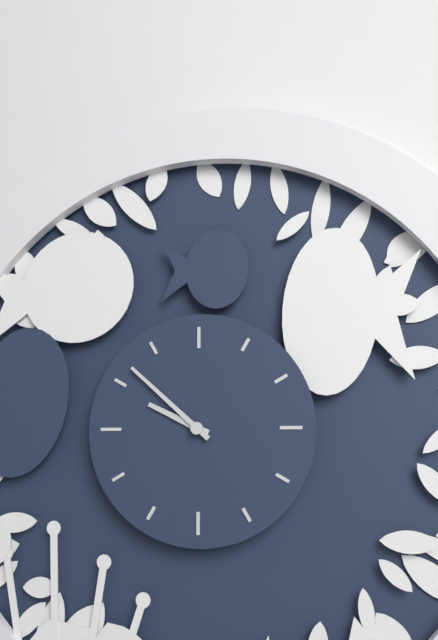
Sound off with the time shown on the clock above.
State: 9:52
